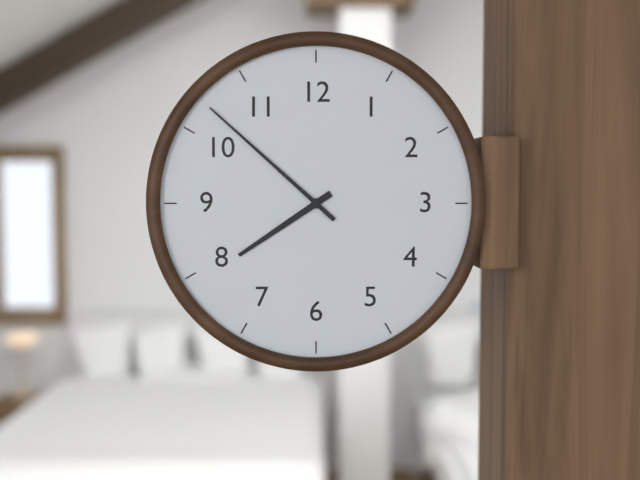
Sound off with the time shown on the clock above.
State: 7:52
